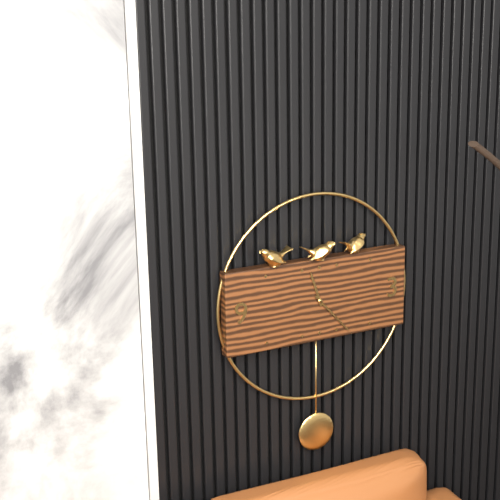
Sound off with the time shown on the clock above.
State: 11:23
